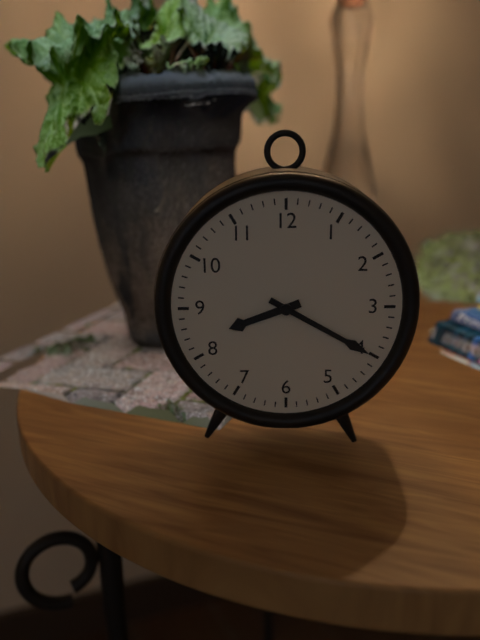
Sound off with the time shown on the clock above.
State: 8:20
